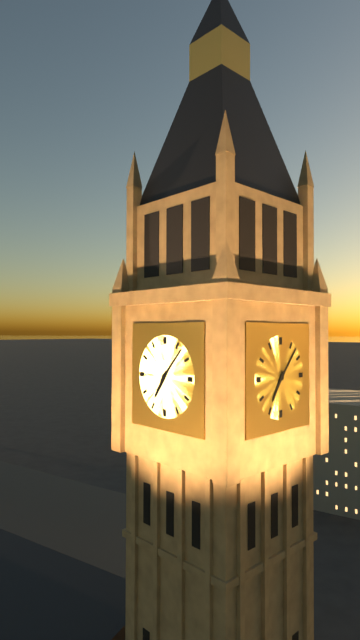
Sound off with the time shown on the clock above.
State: 7:07
